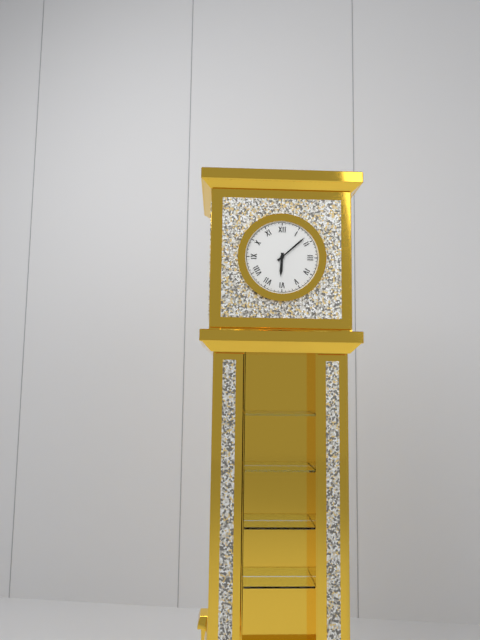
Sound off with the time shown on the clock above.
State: 6:08
